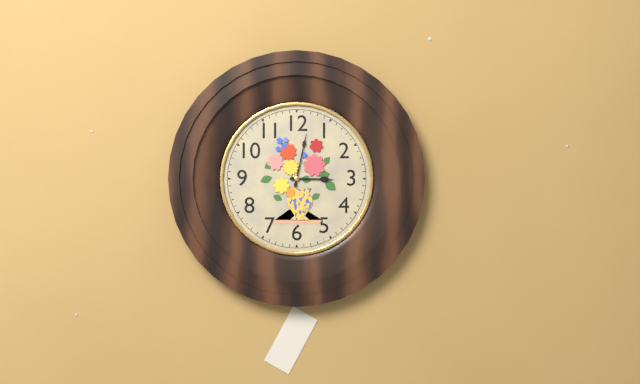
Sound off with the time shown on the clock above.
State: 3:02
